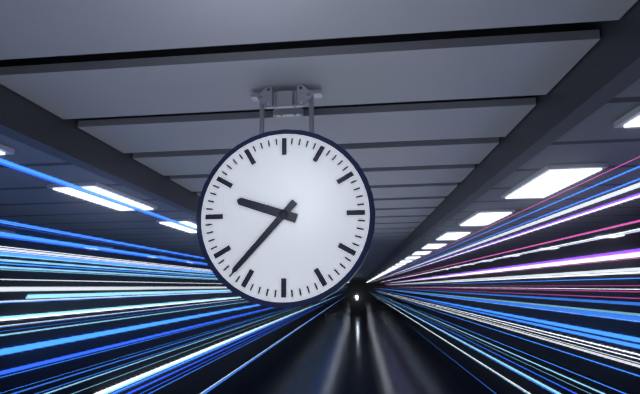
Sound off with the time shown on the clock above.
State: 9:37
